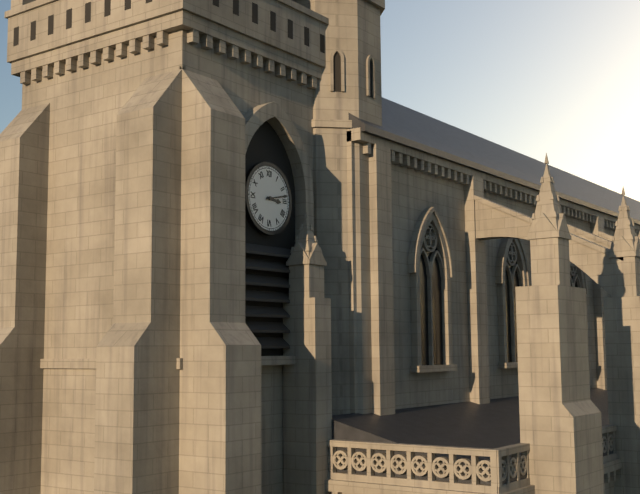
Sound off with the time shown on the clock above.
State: 3:13
